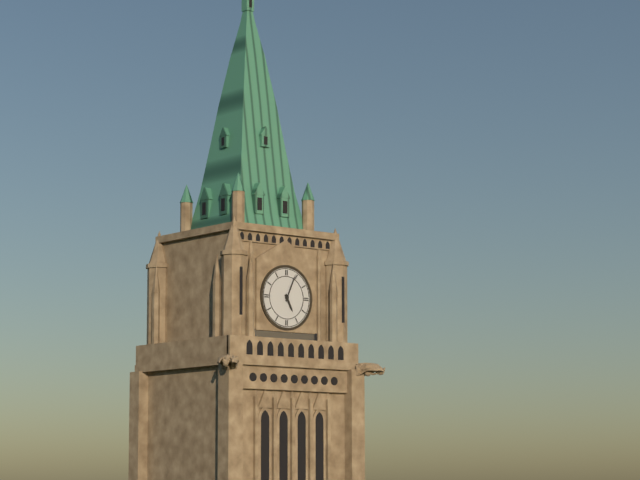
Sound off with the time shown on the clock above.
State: 5:04
